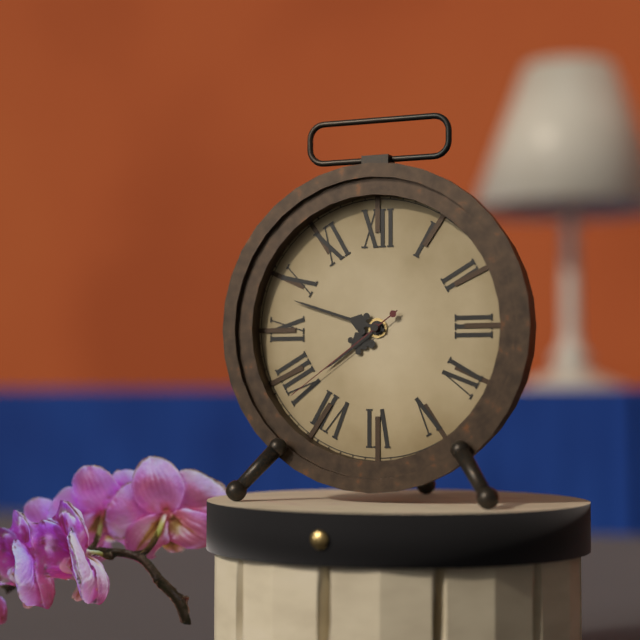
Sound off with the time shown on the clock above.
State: 7:48:39
